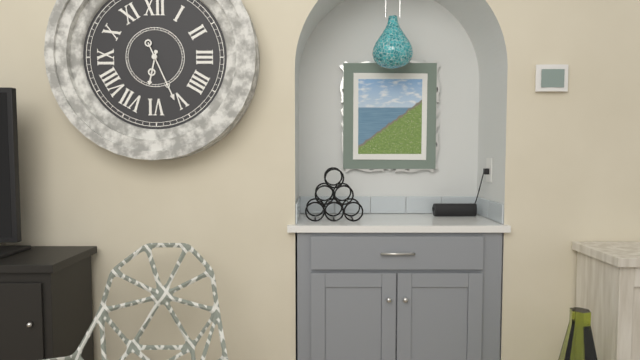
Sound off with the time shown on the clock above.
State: 6:26
